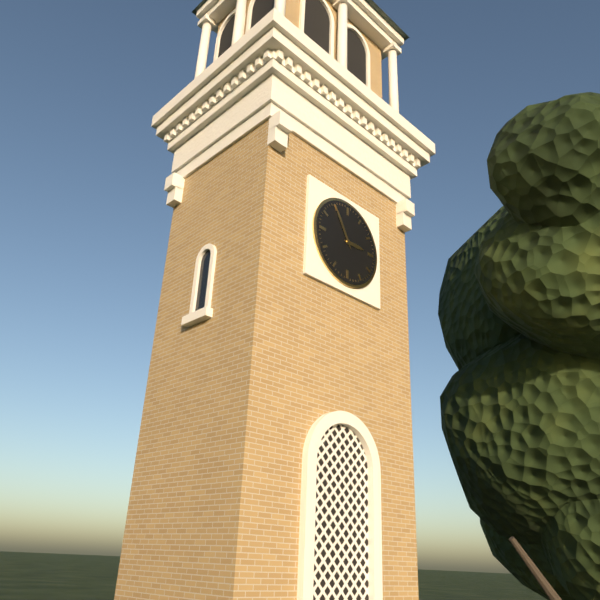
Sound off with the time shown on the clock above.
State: 2:55
